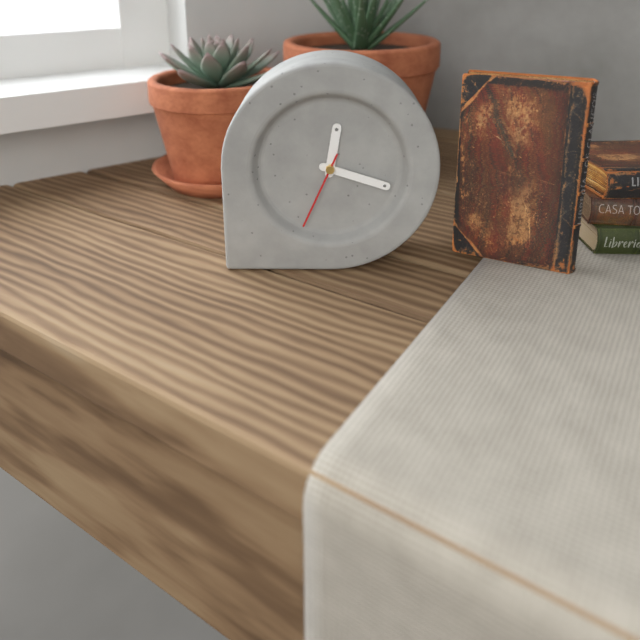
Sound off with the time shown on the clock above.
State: 12:18:34
